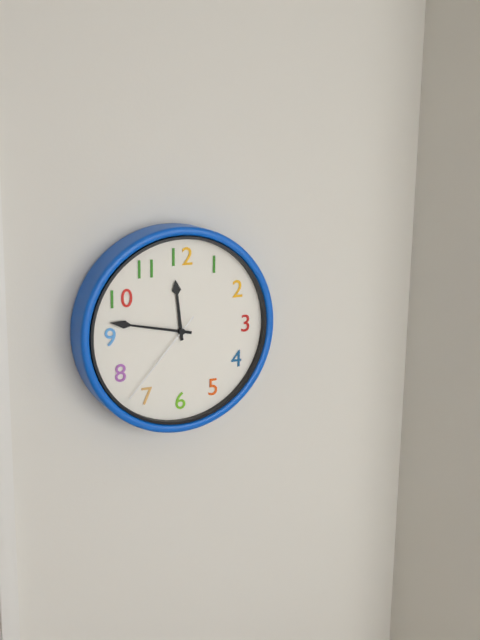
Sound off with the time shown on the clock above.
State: 11:47:37
